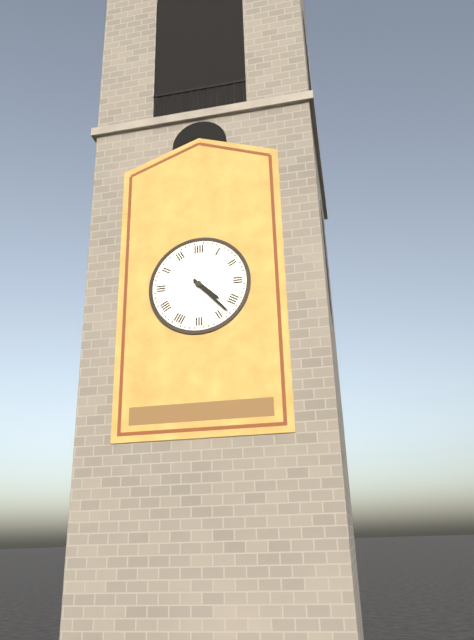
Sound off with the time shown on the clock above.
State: 4:23
